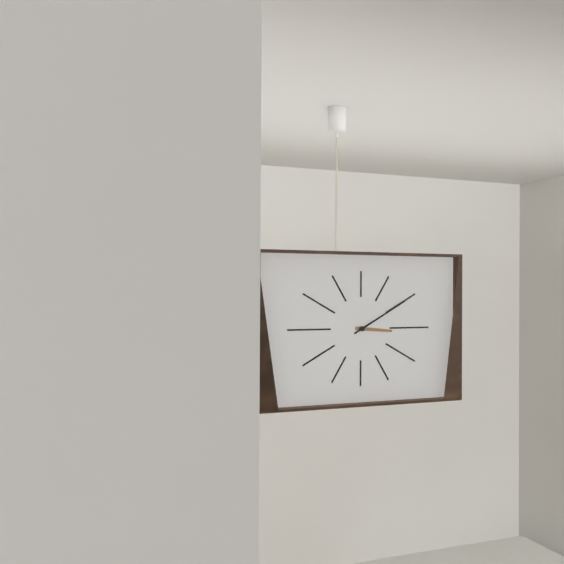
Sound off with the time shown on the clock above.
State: 3:10
